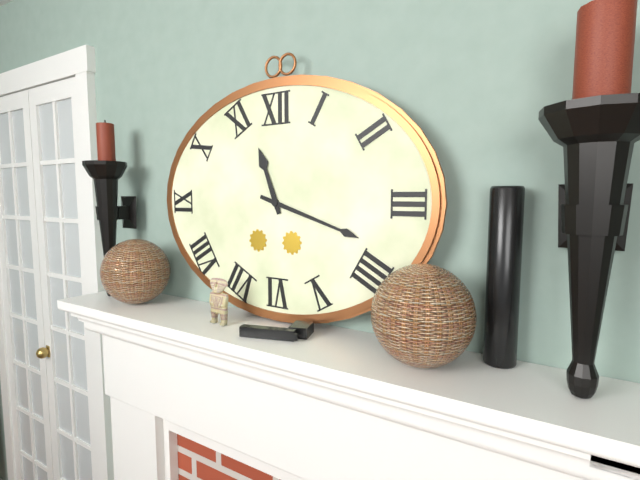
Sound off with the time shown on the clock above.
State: 11:18
